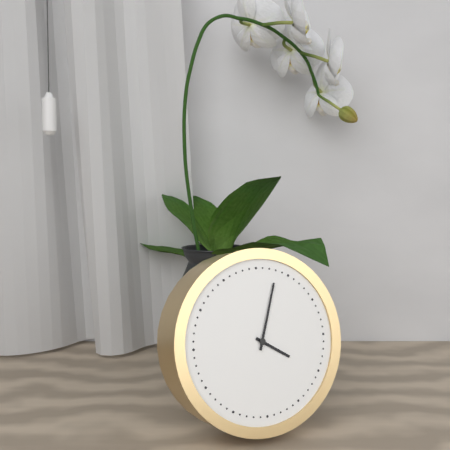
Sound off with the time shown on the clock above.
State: 4:03
